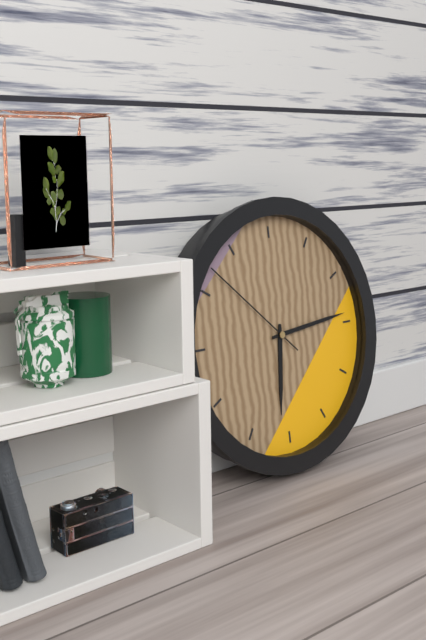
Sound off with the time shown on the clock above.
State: 6:14:52
